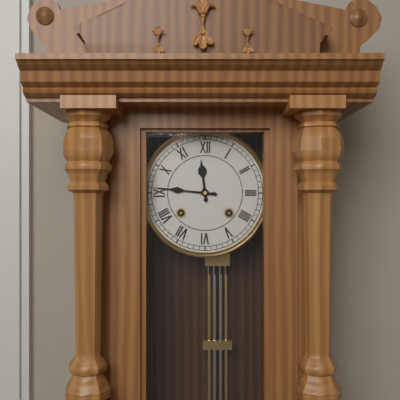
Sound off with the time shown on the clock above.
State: 11:46
